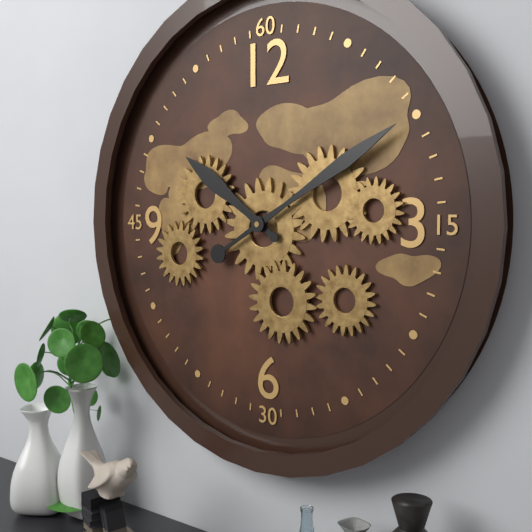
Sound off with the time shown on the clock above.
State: 10:10
